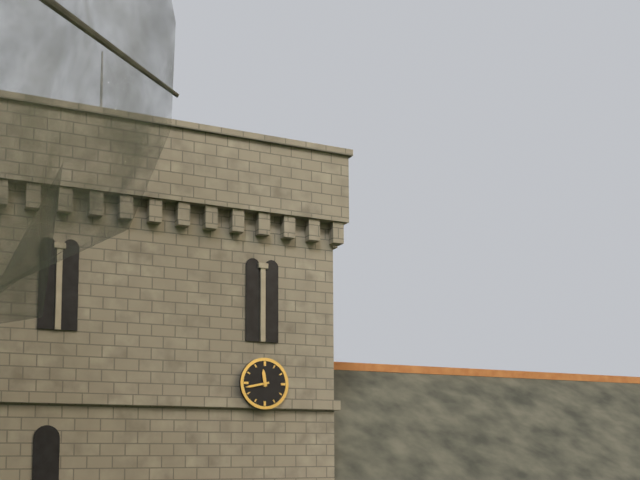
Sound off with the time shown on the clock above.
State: 11:43
